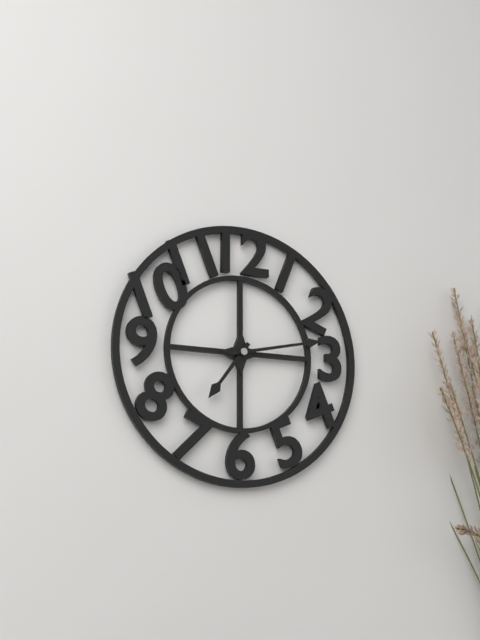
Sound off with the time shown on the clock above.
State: 7:13
